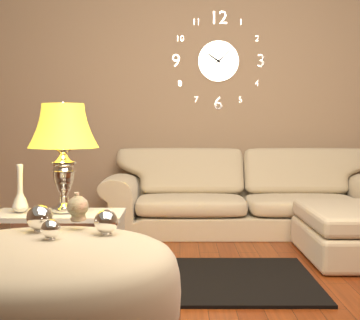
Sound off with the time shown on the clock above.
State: 10:08
